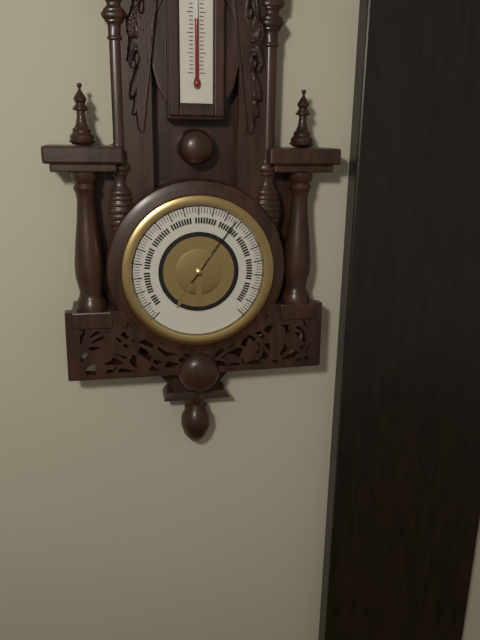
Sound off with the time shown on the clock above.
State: 7:06
